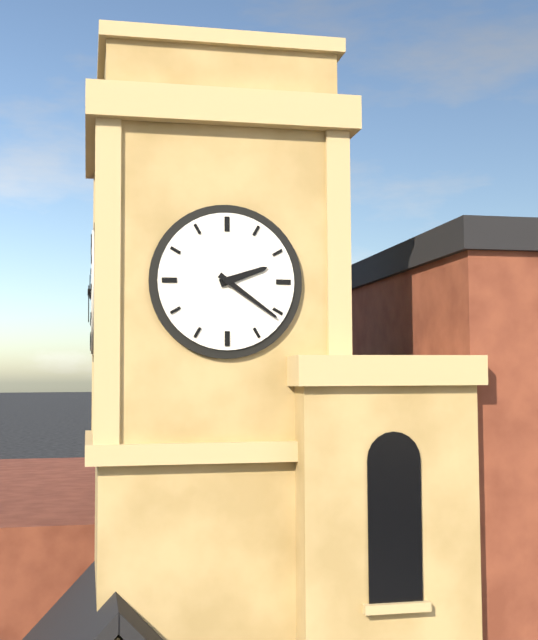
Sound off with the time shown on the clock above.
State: 2:21
